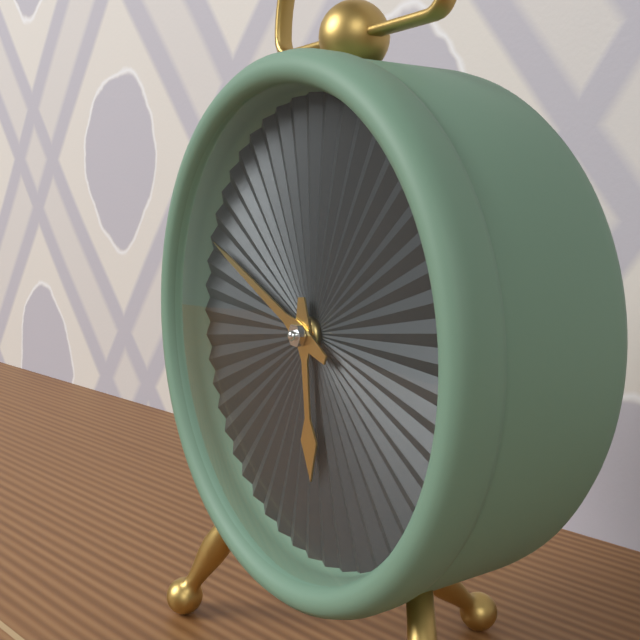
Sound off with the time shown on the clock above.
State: 5:49
